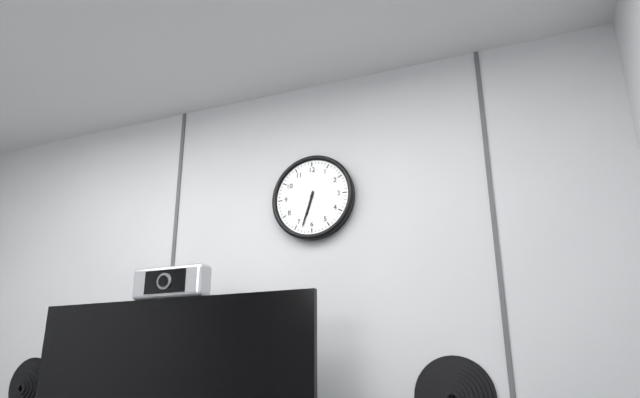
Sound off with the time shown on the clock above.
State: 6:33
